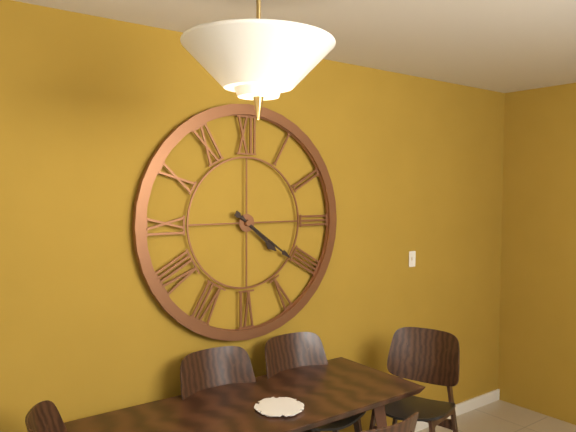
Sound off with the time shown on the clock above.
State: 4:21
